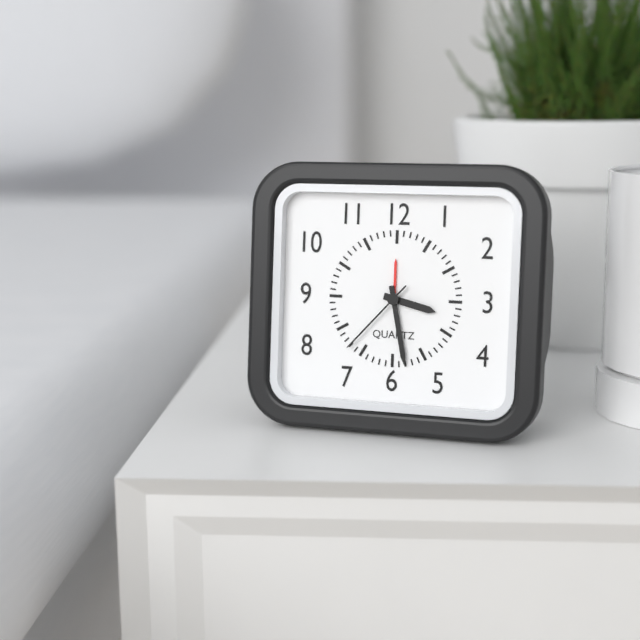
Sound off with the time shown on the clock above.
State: 3:28:37
